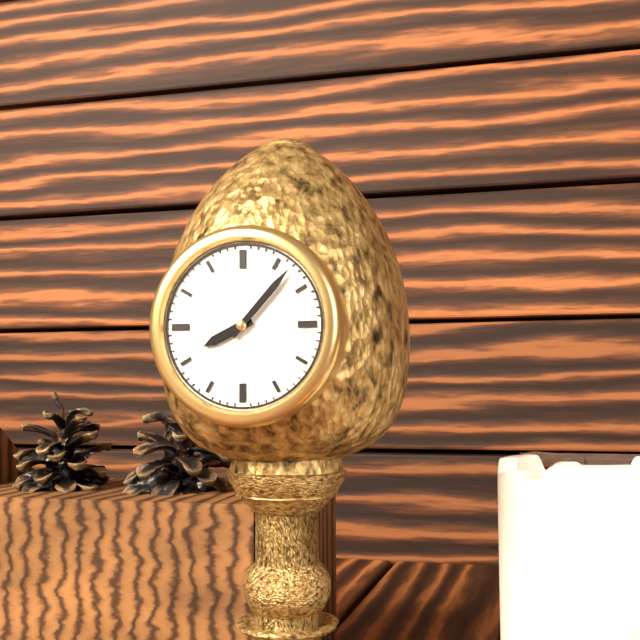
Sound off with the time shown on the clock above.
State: 8:07
